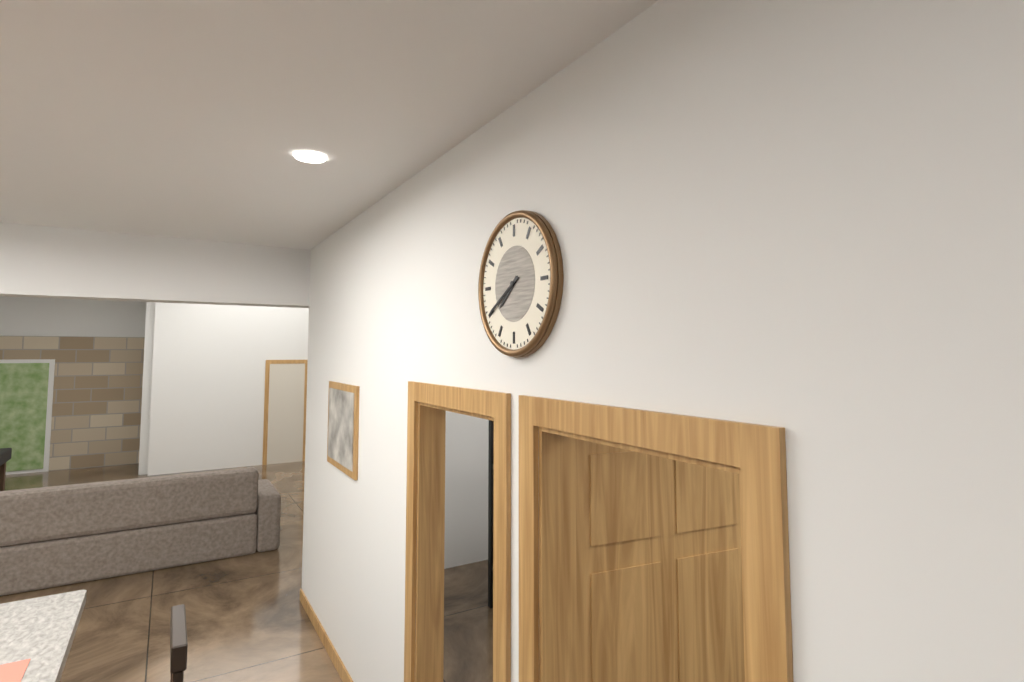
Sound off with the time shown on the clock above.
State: 7:40
